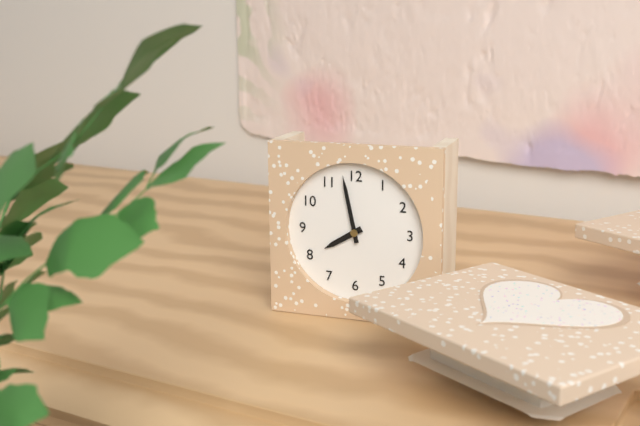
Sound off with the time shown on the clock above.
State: 7:58
